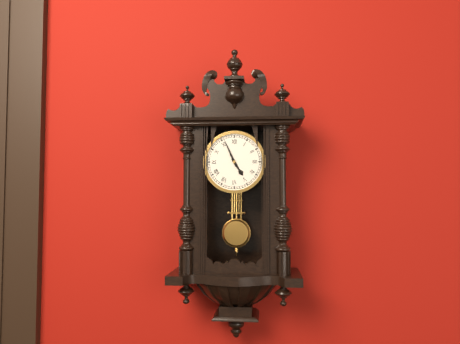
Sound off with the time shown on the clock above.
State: 4:56
